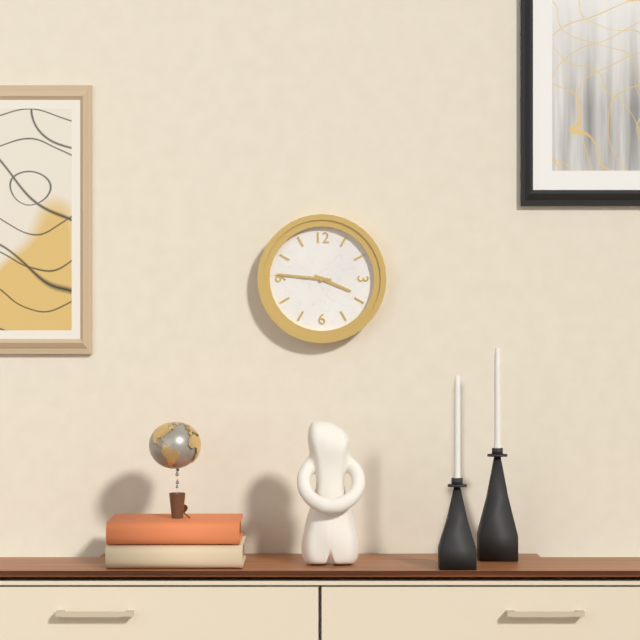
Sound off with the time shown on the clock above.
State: 3:46
